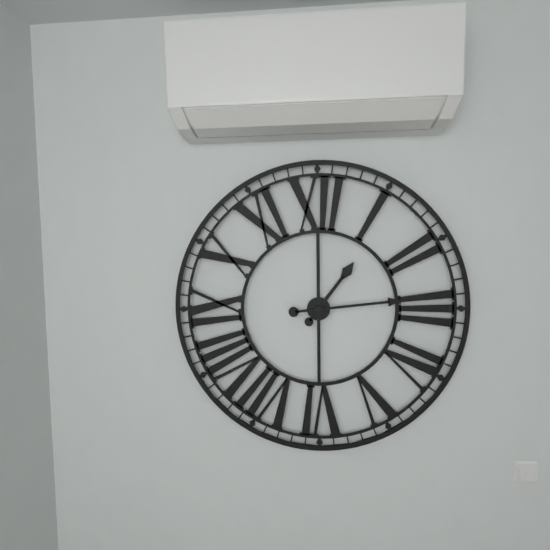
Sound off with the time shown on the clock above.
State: 1:14
